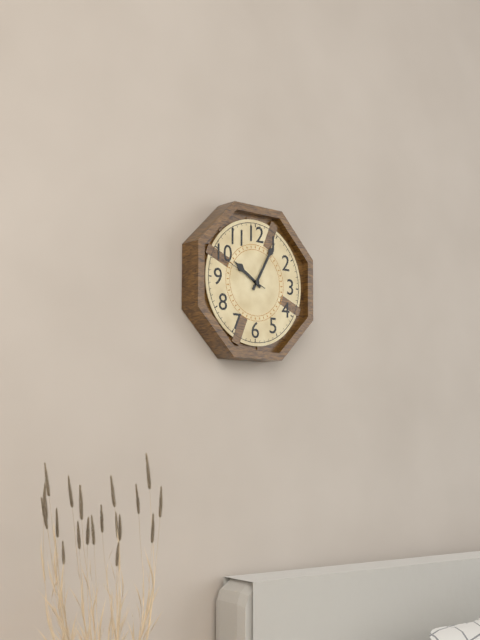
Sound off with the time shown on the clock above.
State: 10:05
